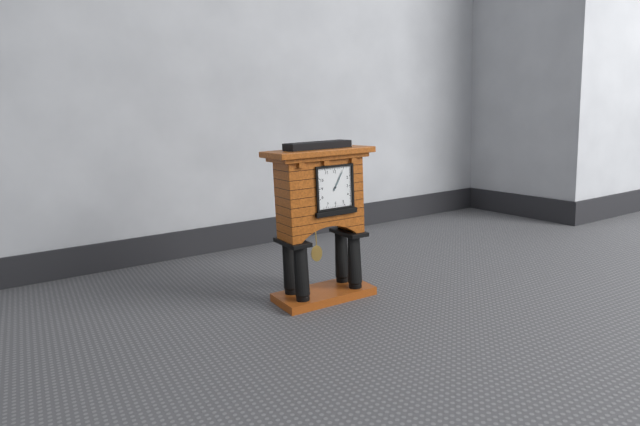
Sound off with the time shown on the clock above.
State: 1:05
